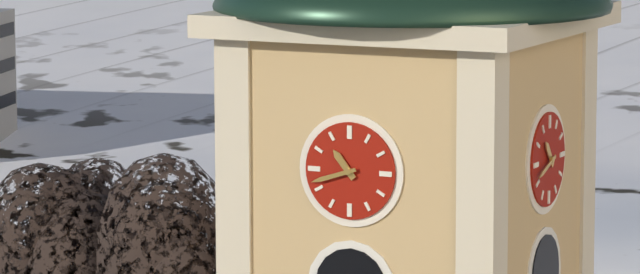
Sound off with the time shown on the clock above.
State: 10:42
